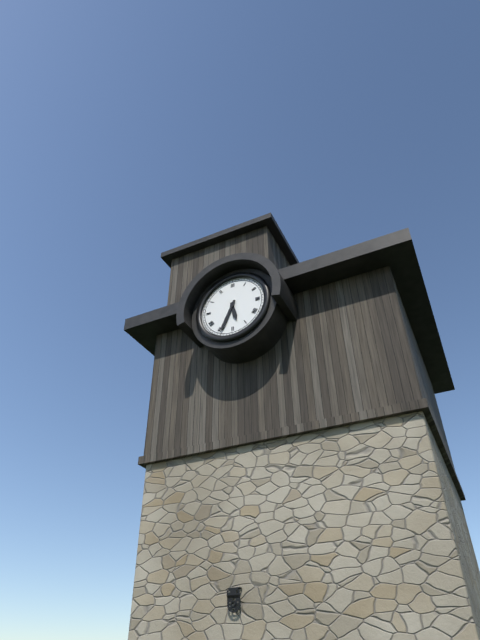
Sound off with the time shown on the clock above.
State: 5:34
